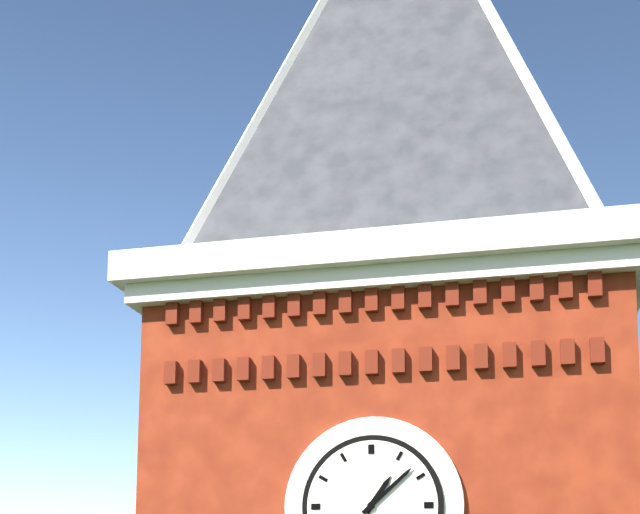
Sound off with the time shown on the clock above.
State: 1:08
